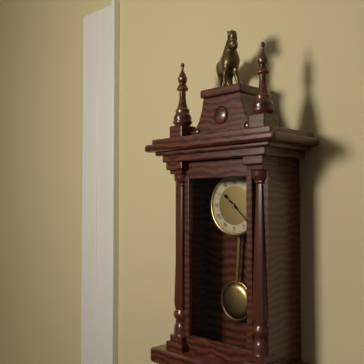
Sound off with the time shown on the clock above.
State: 10:22
